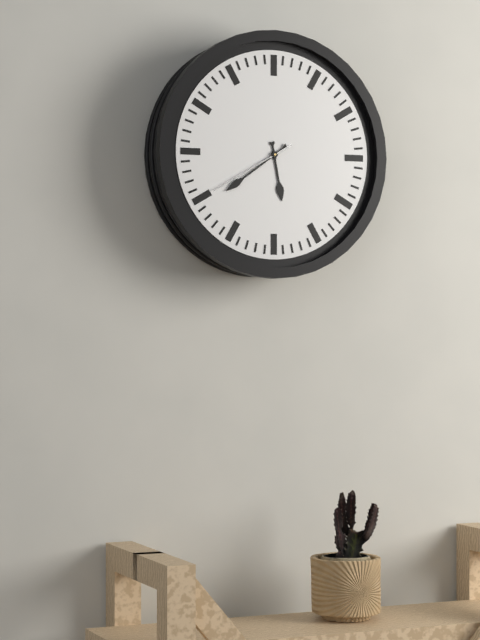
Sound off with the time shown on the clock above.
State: 5:39:40
